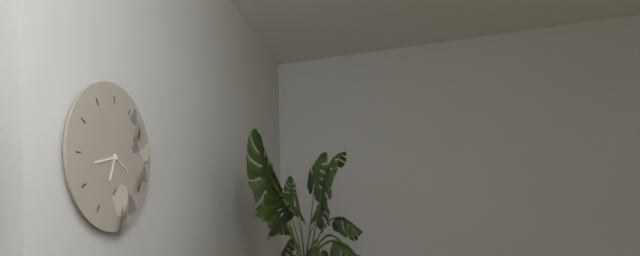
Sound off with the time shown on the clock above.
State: 6:43
